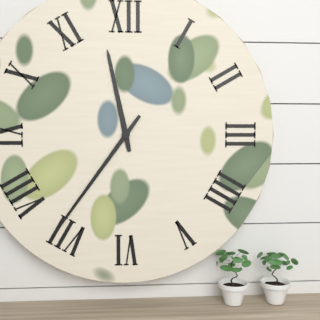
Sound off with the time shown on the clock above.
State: 11:36
